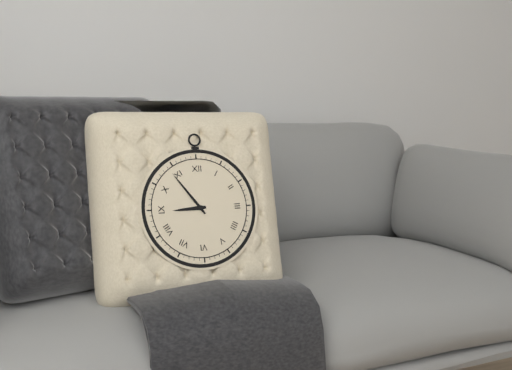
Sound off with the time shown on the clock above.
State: 8:54
